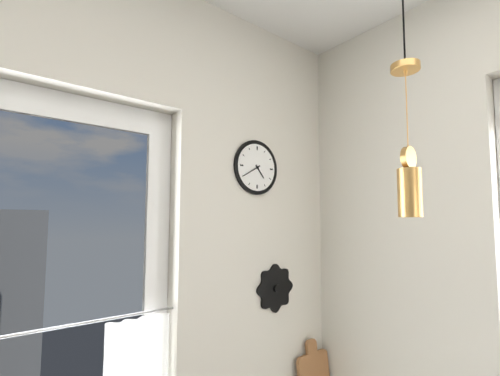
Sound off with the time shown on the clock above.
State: 4:40
